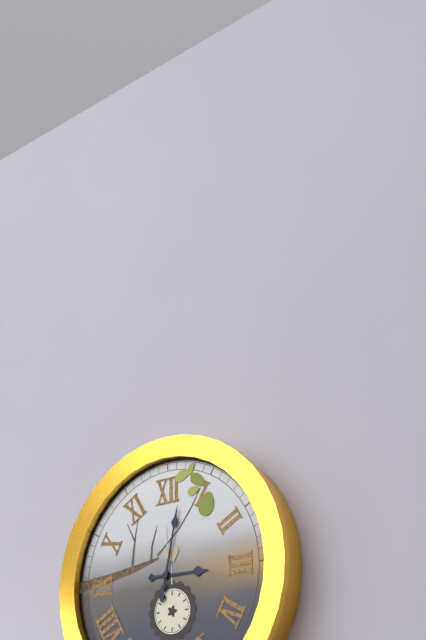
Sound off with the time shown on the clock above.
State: 3:02
